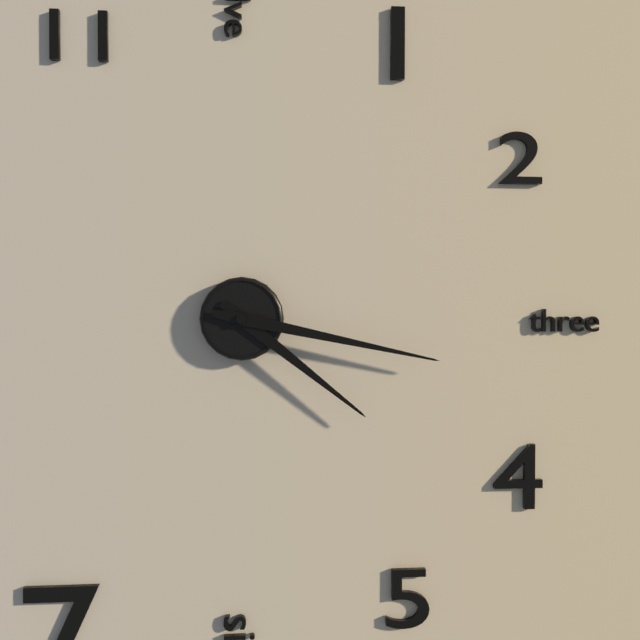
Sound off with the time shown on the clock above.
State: 4:17
